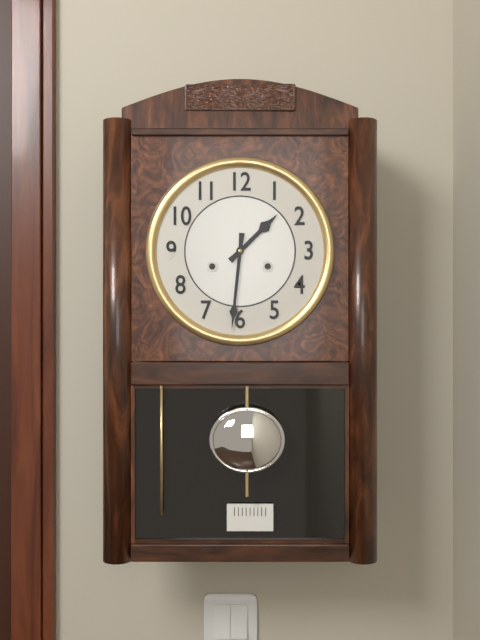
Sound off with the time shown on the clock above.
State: 1:31
